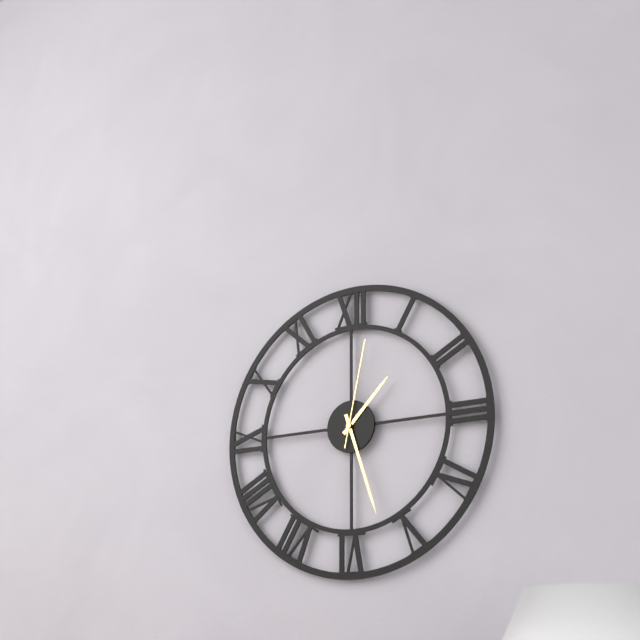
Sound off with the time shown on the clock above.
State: 1:27:02
